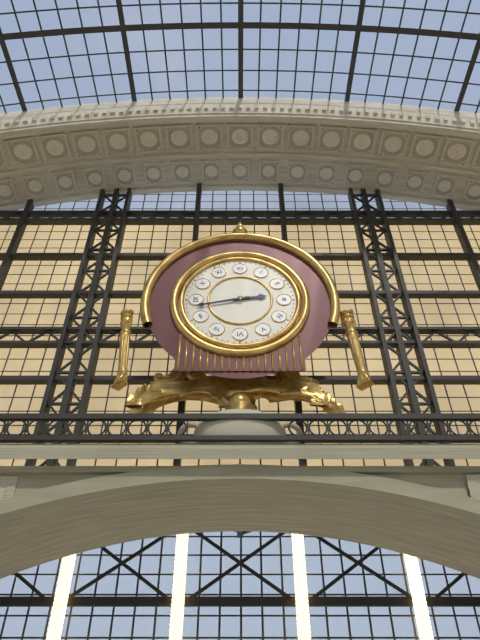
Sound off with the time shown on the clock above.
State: 2:43
